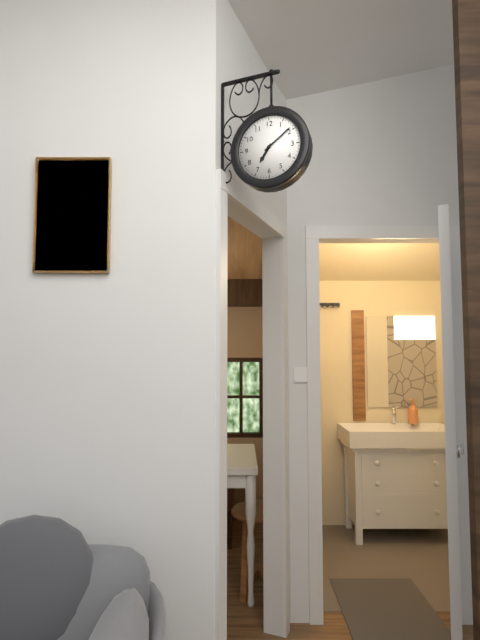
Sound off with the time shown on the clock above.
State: 7:09
